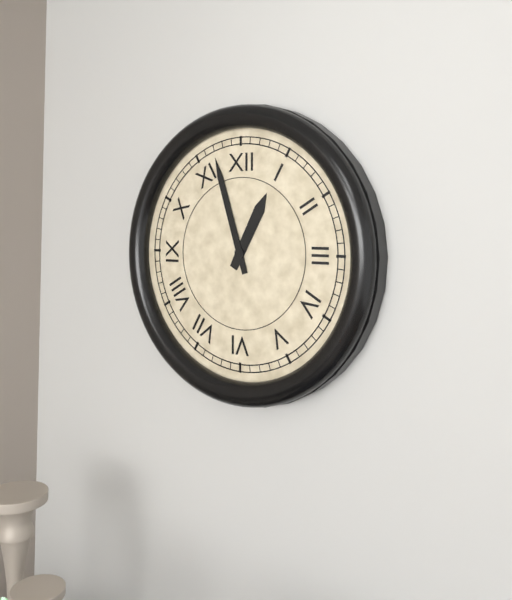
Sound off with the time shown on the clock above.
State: 12:57
